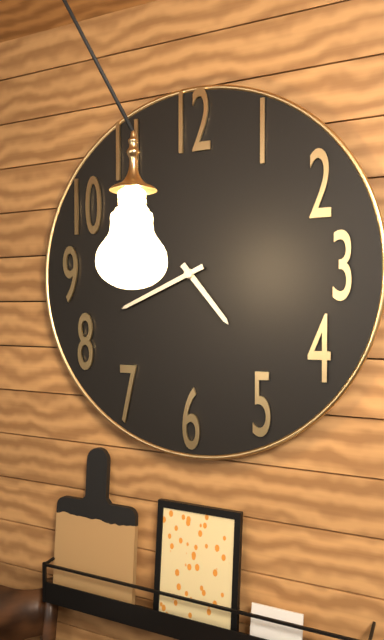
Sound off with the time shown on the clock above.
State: 4:41
